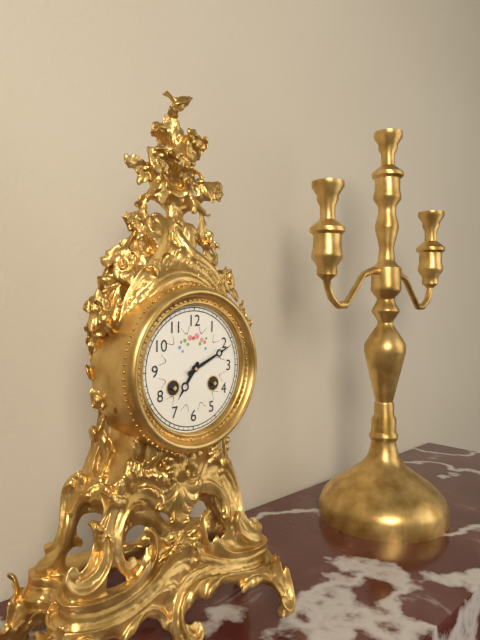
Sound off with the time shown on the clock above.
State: 7:11
